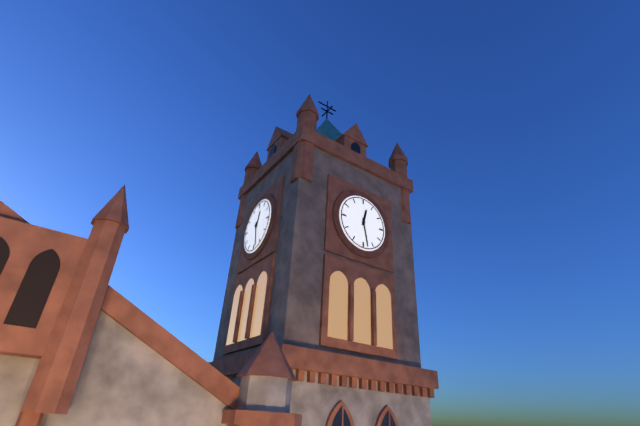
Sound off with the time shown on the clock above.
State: 12:28
